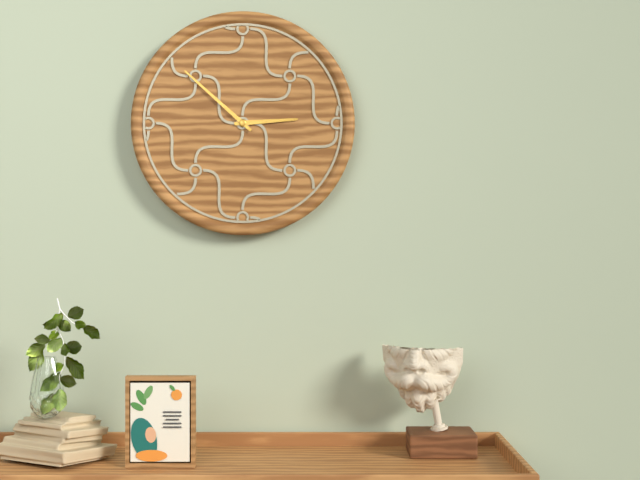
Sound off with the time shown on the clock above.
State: 2:52
